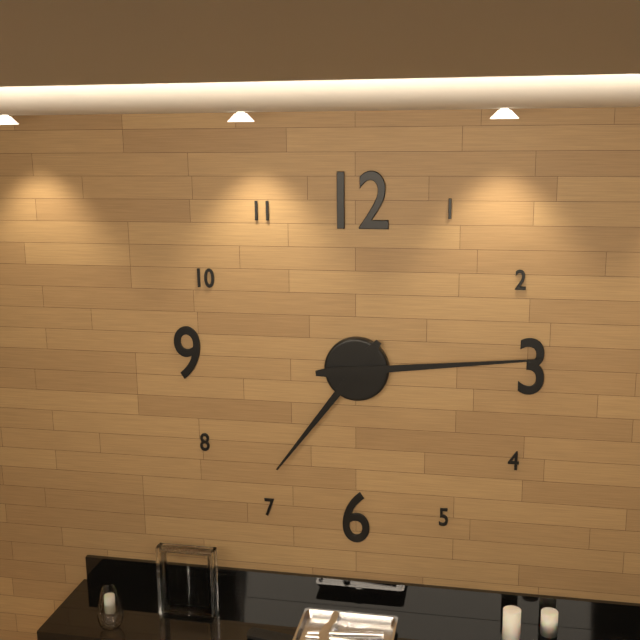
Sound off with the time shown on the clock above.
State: 7:14
